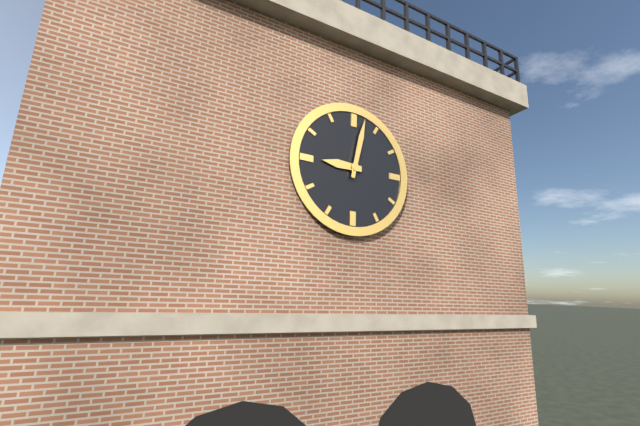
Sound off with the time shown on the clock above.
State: 9:02
